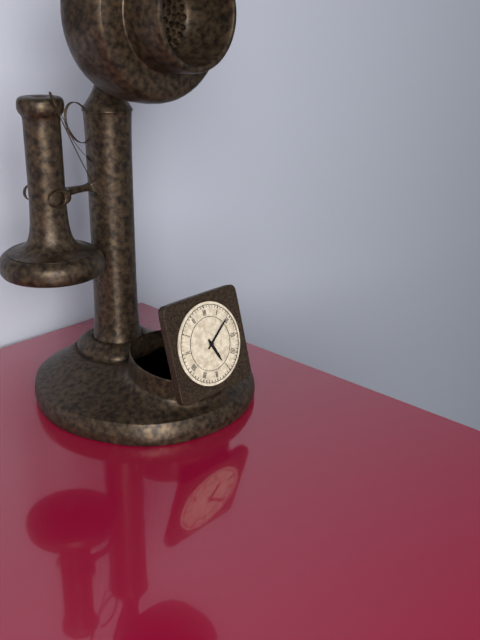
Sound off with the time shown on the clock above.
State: 5:09
